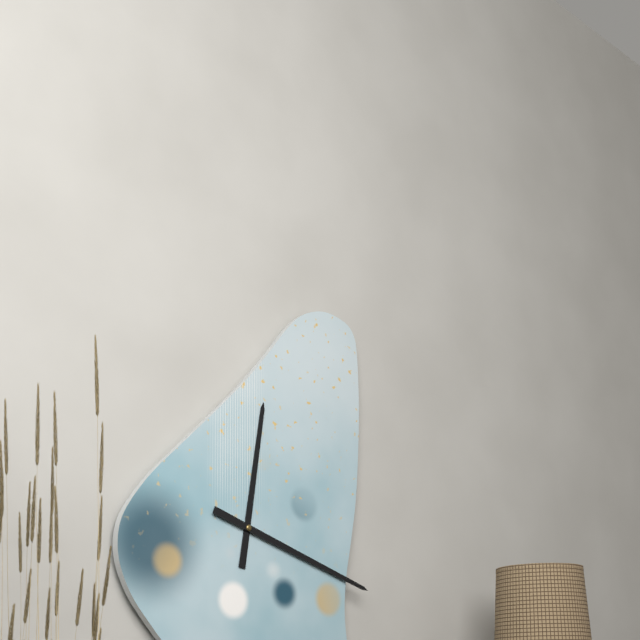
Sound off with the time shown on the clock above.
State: 12:18
